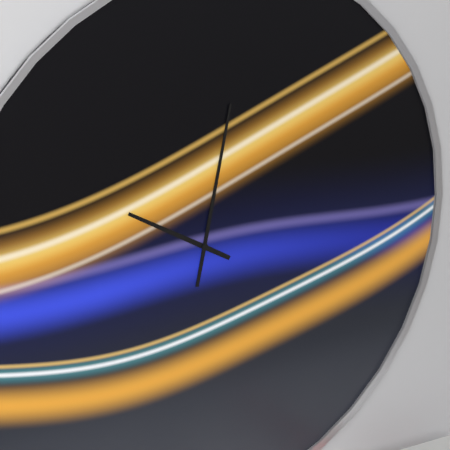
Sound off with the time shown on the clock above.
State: 10:02
